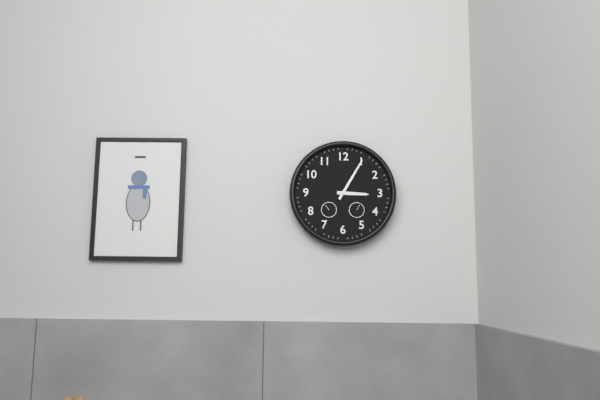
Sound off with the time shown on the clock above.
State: 3:05
